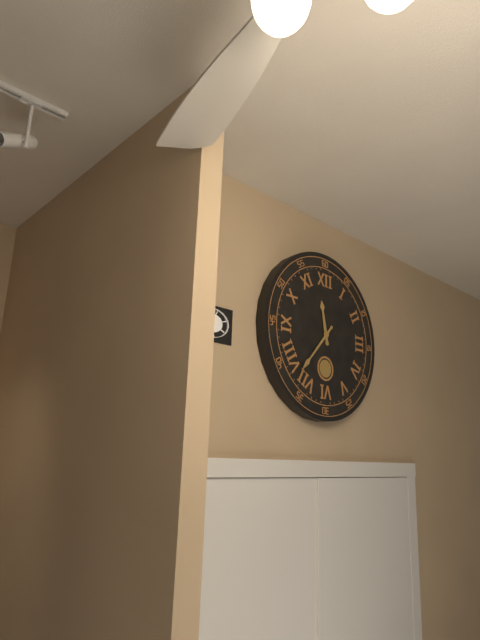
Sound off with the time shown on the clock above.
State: 11:37
